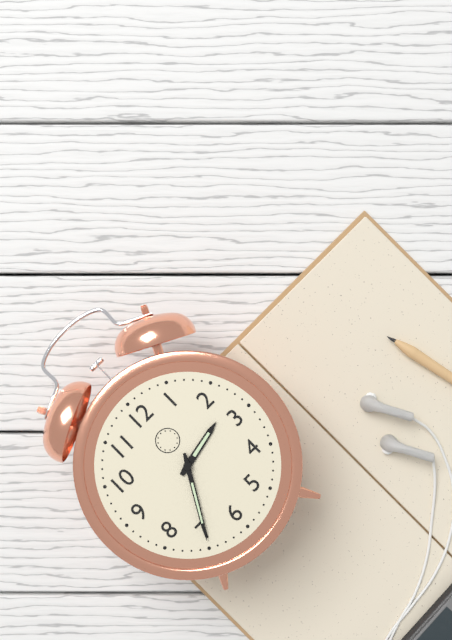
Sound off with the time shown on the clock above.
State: 2:35
